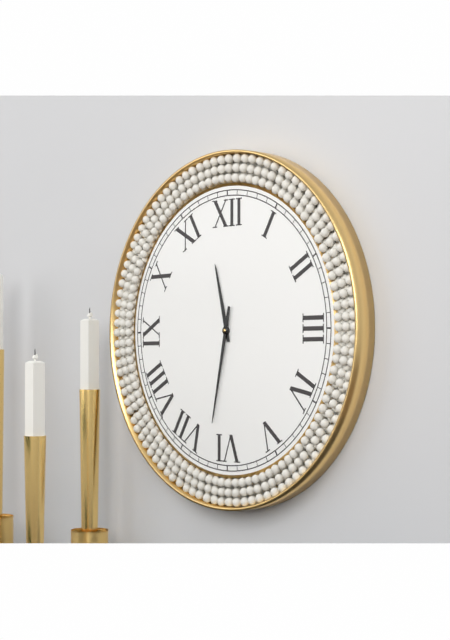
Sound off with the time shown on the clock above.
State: 11:32
